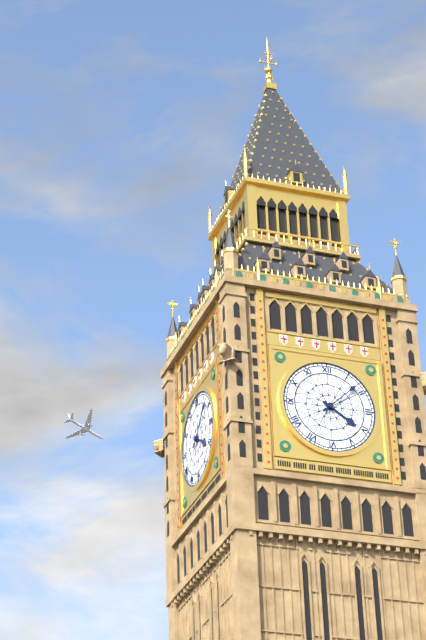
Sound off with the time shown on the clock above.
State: 4:08
